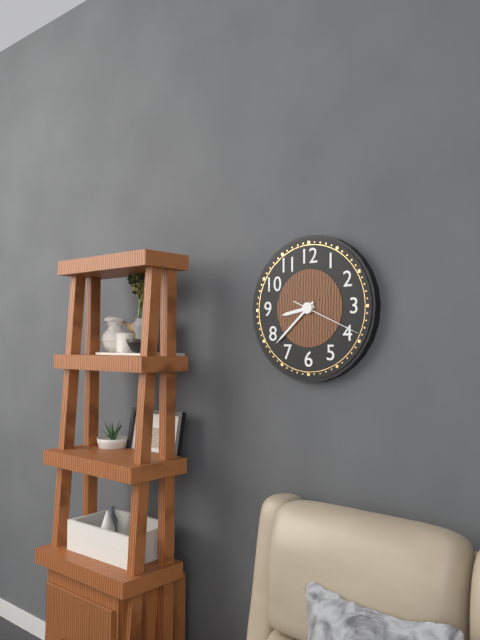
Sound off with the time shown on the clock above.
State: 8:38:19
